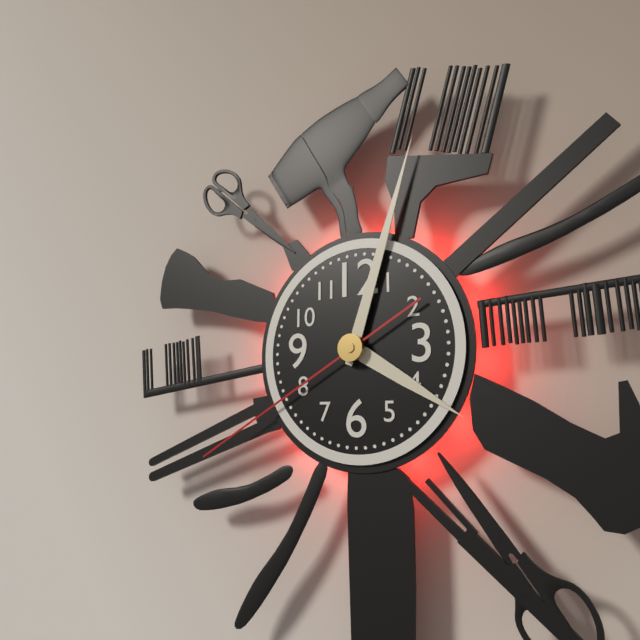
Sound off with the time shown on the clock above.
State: 4:03:40
